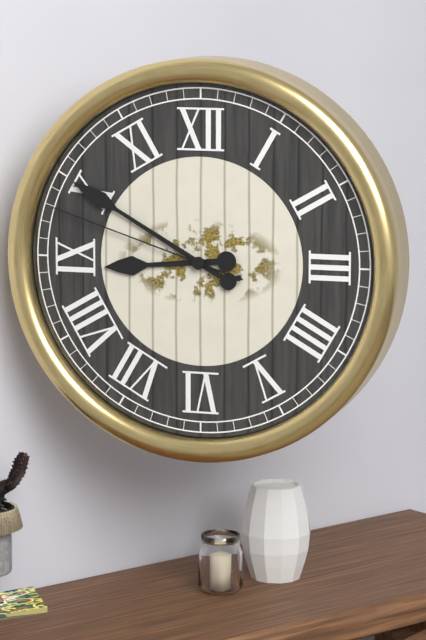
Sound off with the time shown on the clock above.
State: 8:50:48
